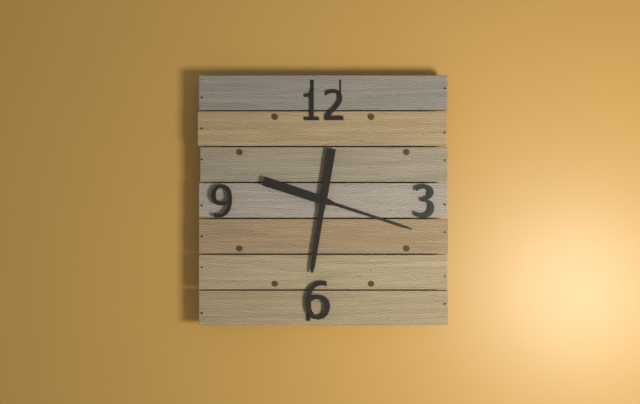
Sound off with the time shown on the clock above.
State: 6:18
